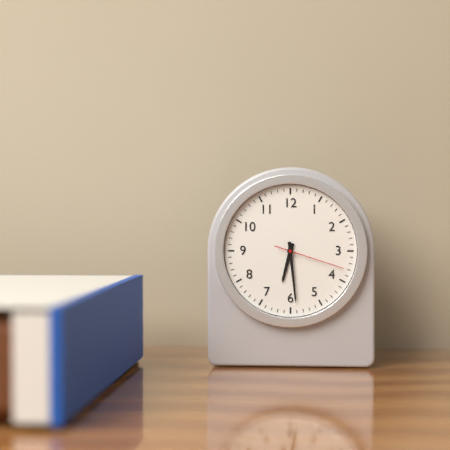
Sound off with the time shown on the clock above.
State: 6:29:18
